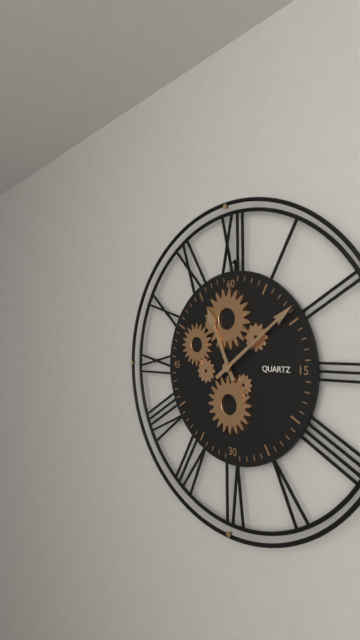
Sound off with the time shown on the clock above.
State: 11:09
